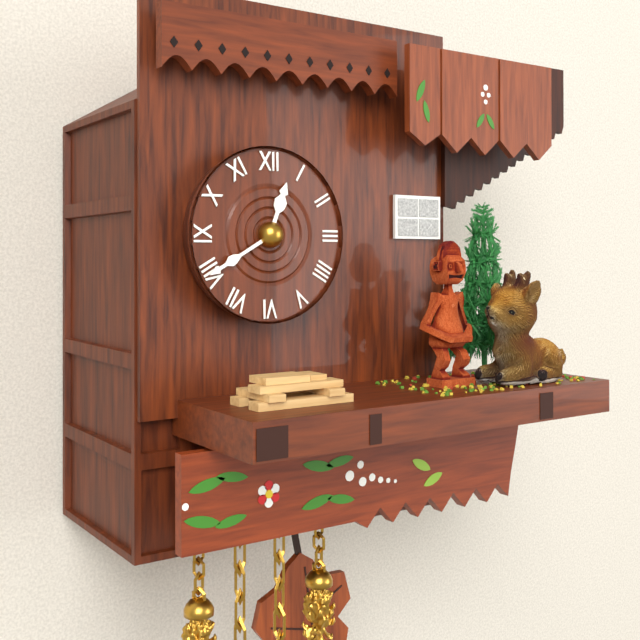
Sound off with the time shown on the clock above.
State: 12:40
